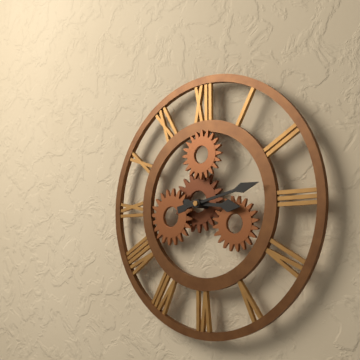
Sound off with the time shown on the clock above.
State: 3:13
